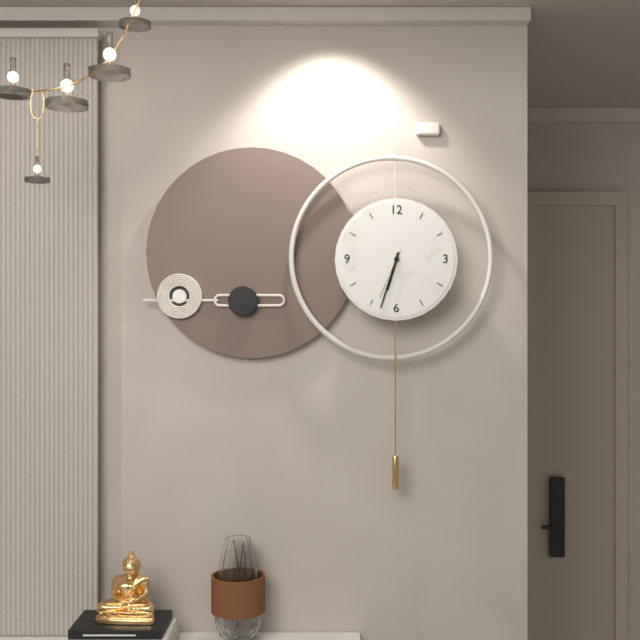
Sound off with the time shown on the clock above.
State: 6:33:34
